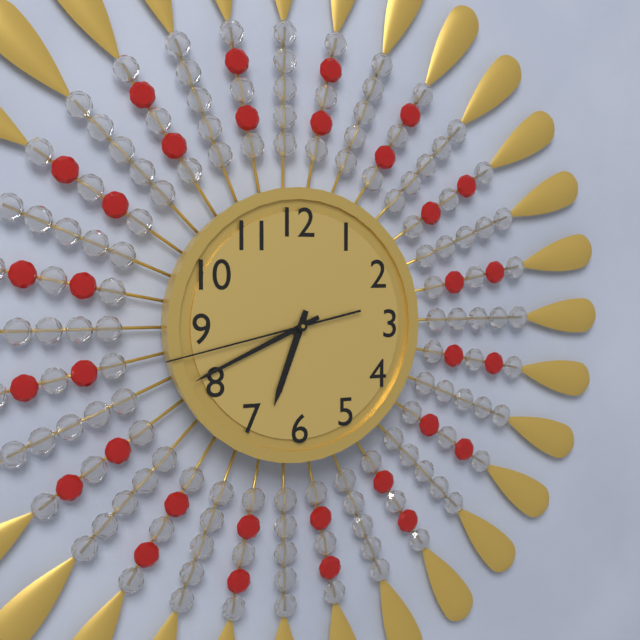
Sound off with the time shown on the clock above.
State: 6:41:43
